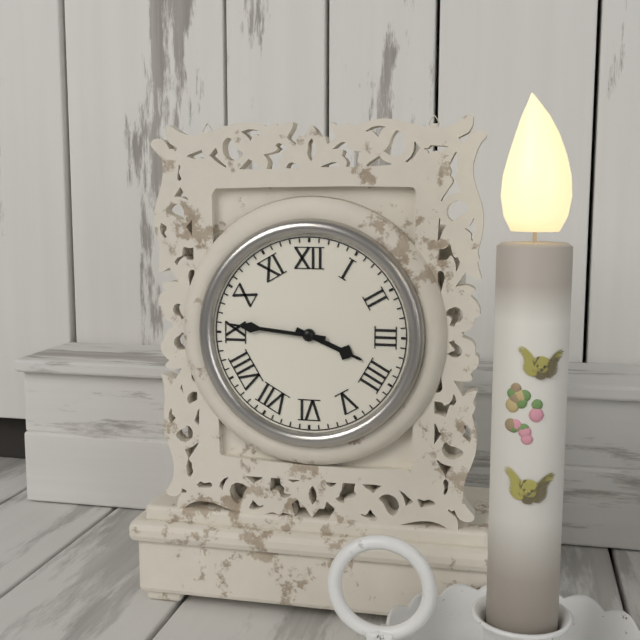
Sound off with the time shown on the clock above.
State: 3:46
